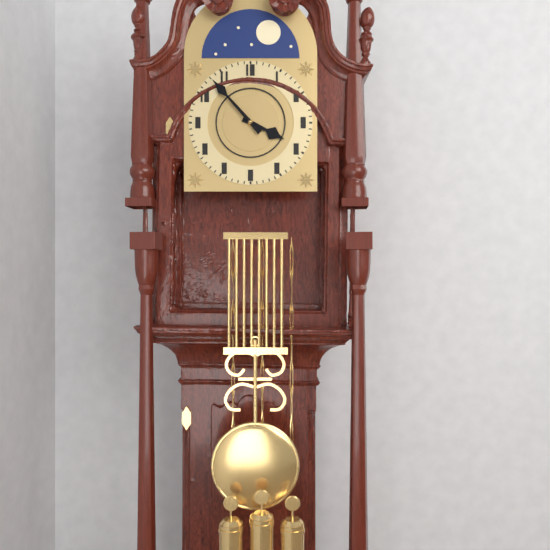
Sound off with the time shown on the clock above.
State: 3:53
